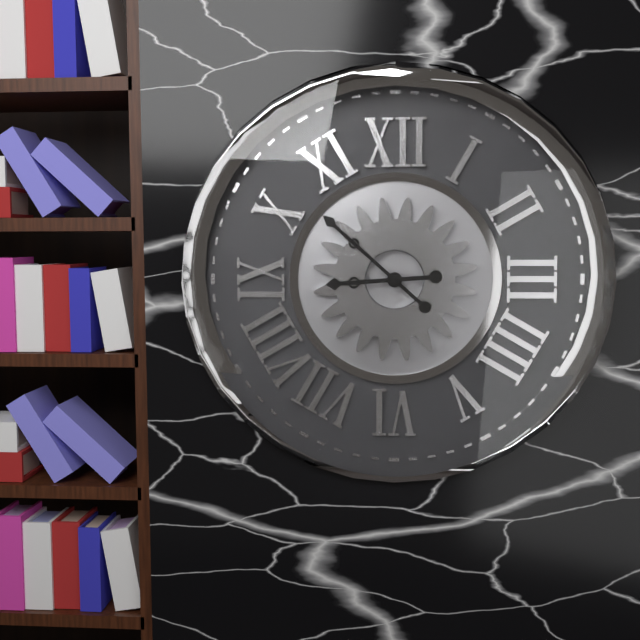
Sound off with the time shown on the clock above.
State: 8:52
